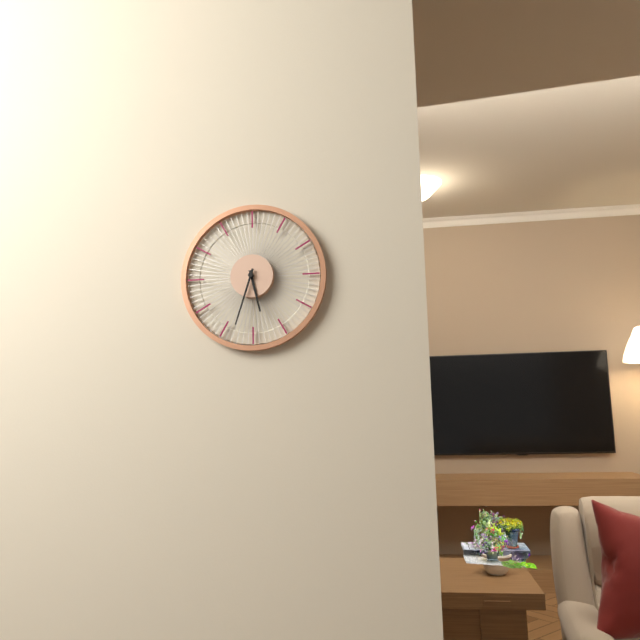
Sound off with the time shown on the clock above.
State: 5:33
